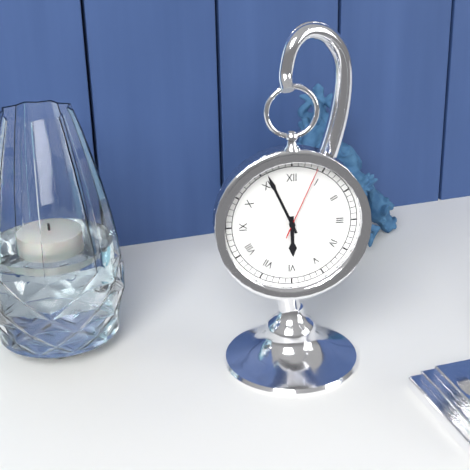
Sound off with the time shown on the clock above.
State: 5:56:04
